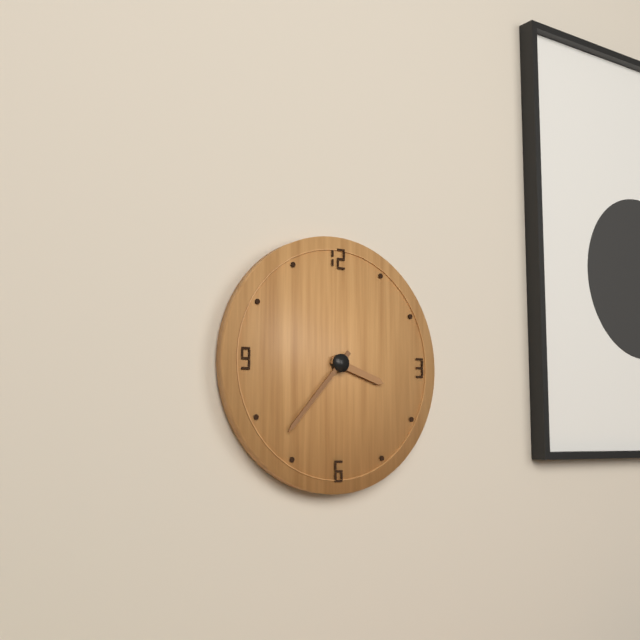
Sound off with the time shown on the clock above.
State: 3:37
